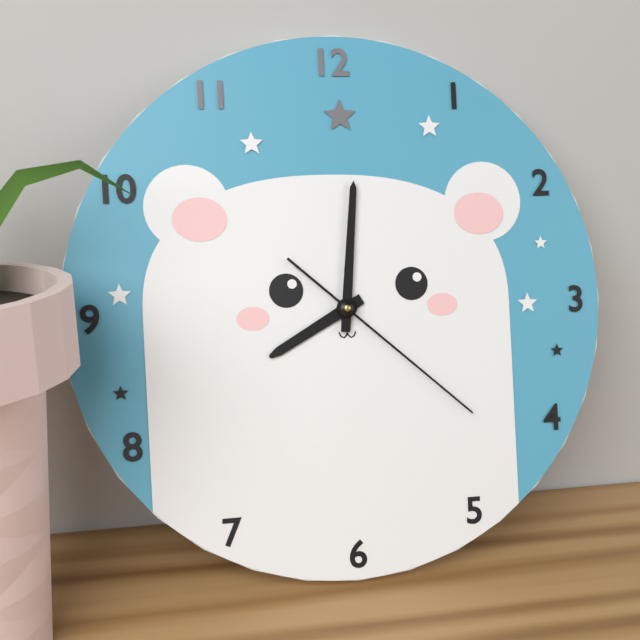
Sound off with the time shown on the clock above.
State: 8:01:22
